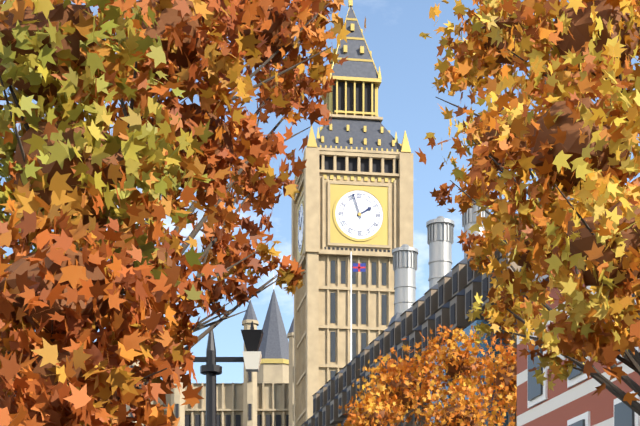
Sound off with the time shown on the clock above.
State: 1:57
